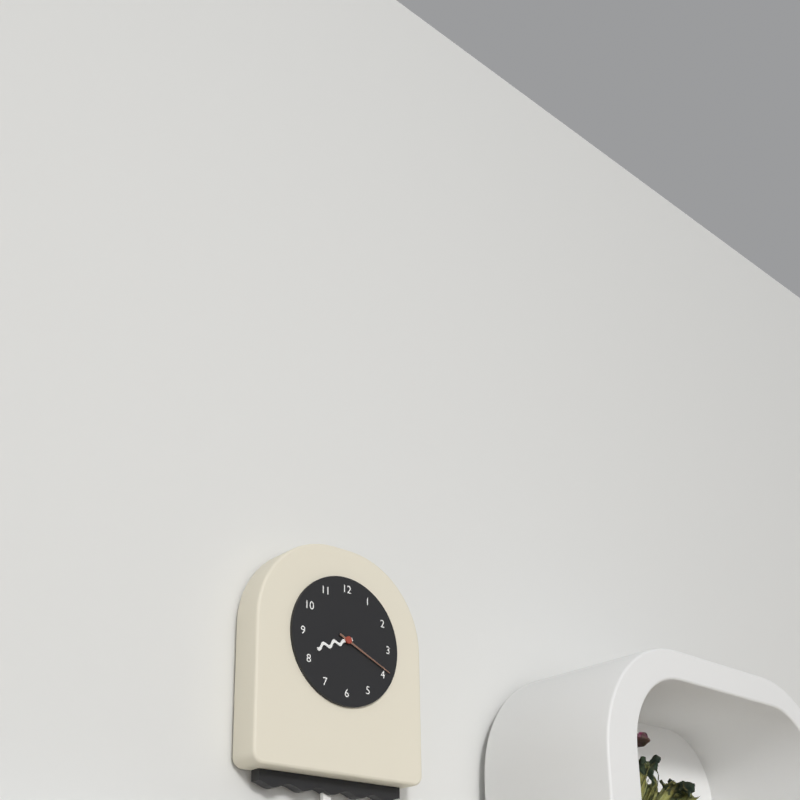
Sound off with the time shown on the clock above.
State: 8:19
